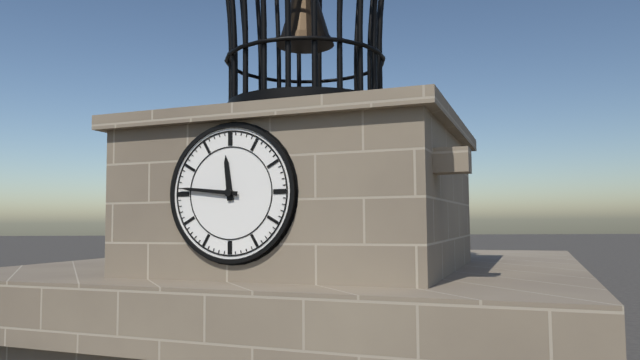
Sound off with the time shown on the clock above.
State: 11:46
